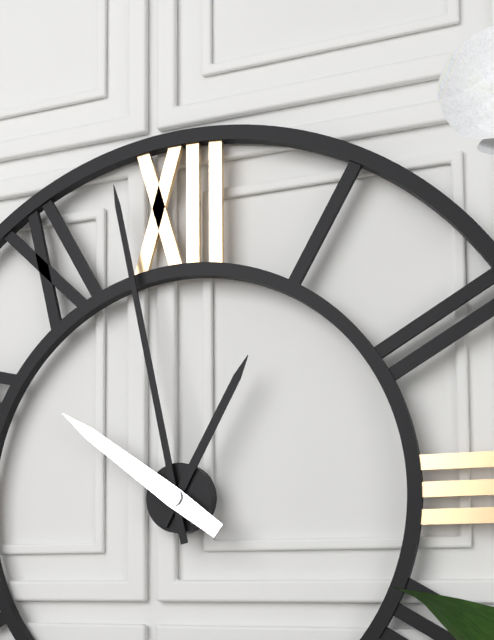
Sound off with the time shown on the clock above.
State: 12:58:51
